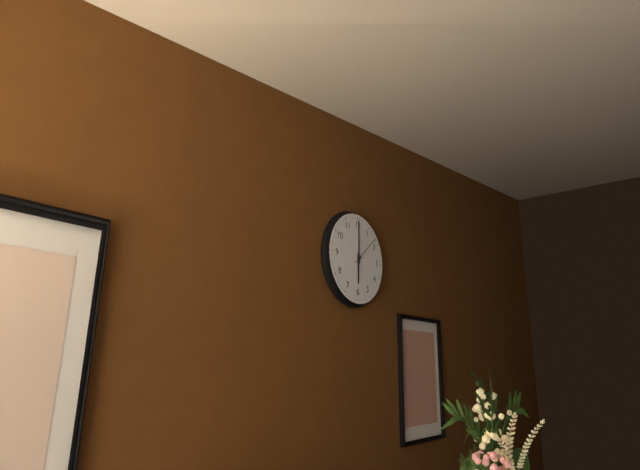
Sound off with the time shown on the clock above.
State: 6:00
